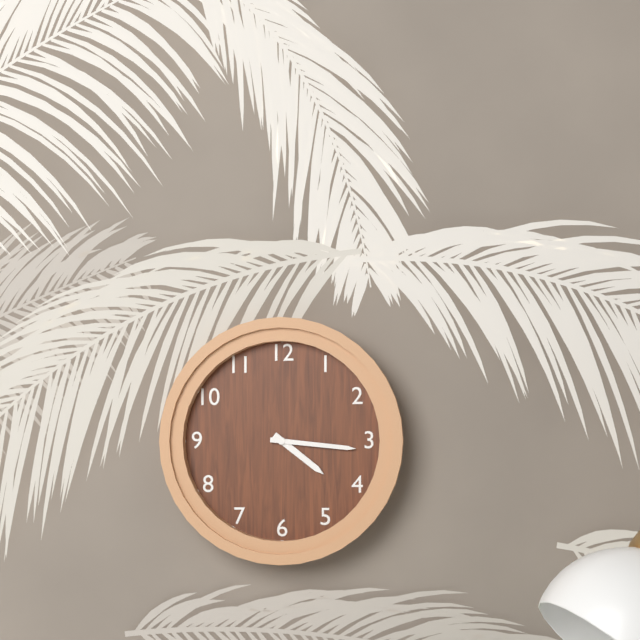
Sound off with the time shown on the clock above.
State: 4:16
